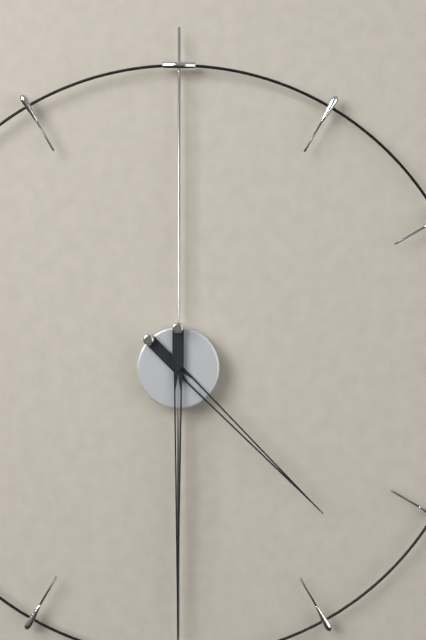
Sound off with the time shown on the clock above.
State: 4:30
